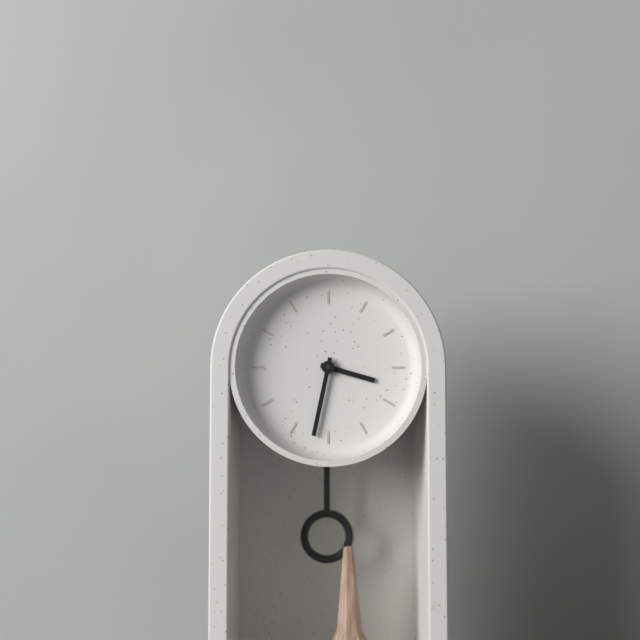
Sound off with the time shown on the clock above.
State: 3:32
